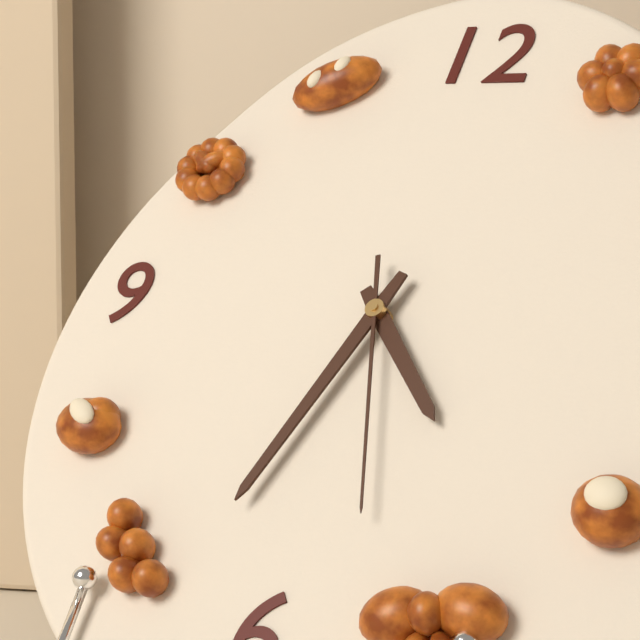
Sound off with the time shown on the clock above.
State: 4:33:27
